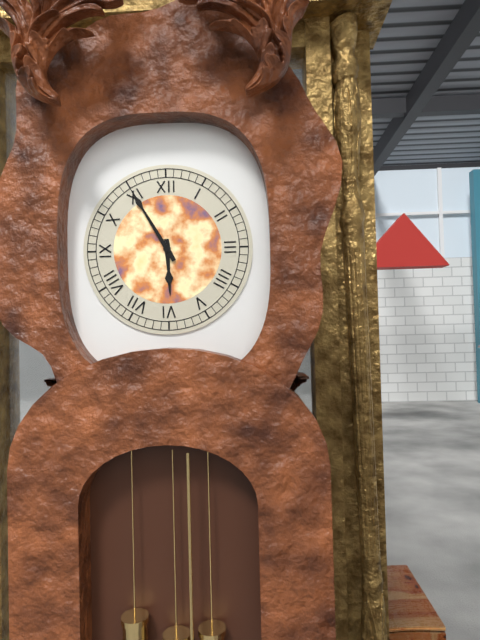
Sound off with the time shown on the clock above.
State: 5:55
